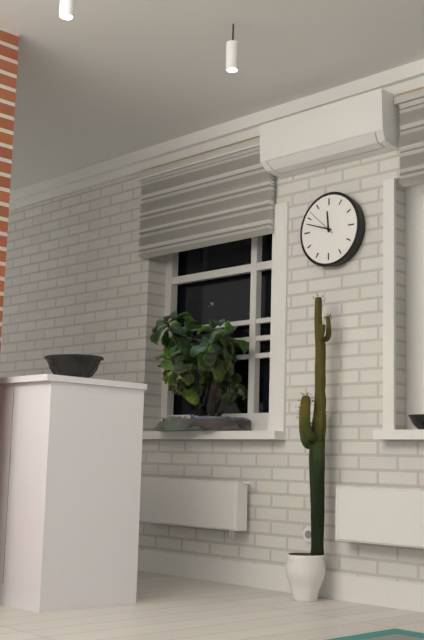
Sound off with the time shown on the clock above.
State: 11:48
